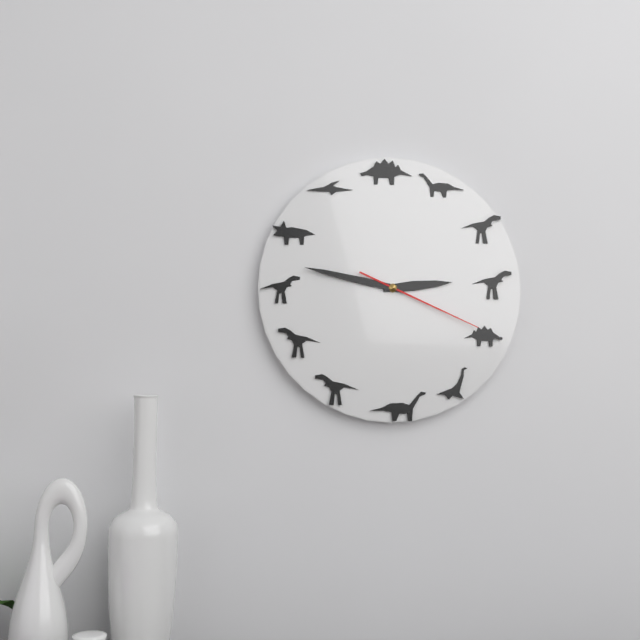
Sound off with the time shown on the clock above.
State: 2:47:19
